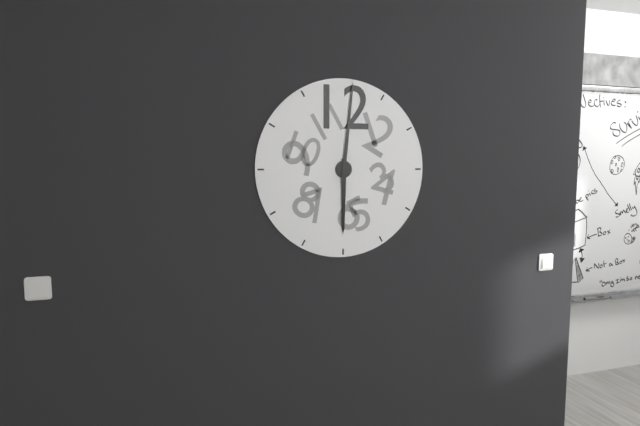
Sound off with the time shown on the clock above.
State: 6:01
